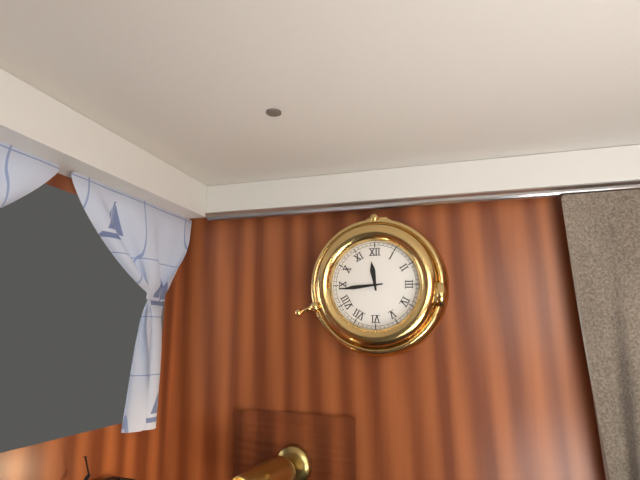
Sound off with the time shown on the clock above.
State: 11:44
